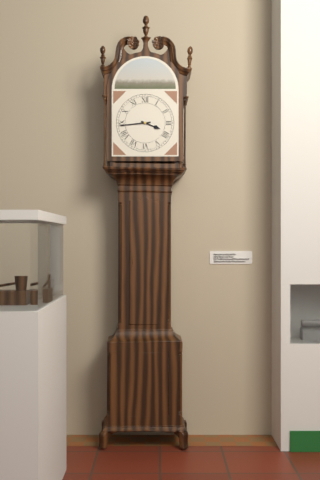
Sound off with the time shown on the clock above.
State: 3:44
